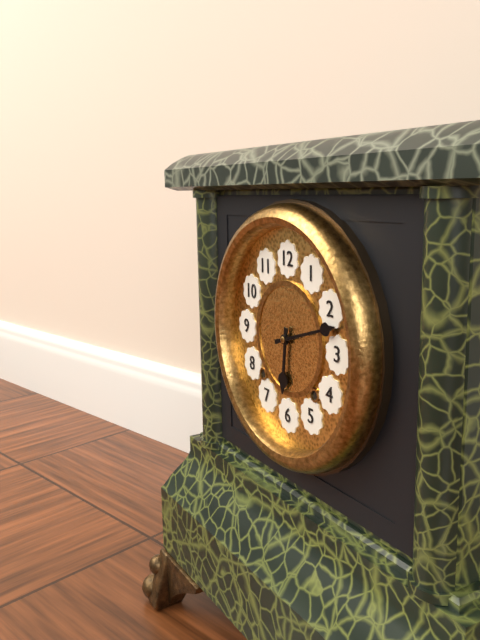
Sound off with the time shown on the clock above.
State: 6:12
